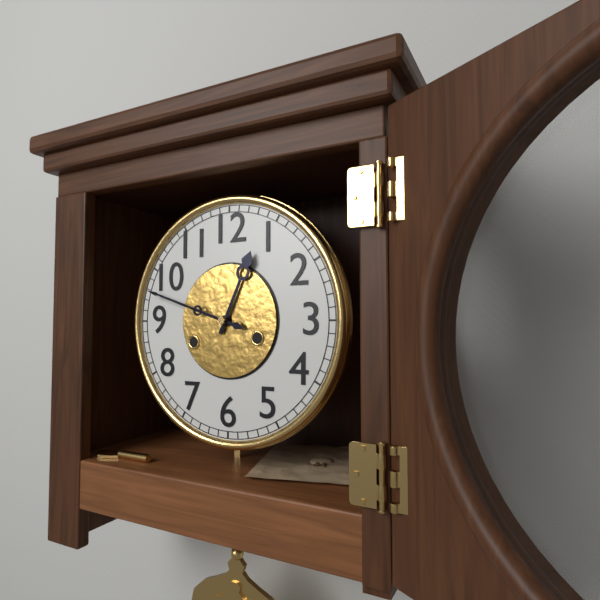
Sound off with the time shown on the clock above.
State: 12:48
